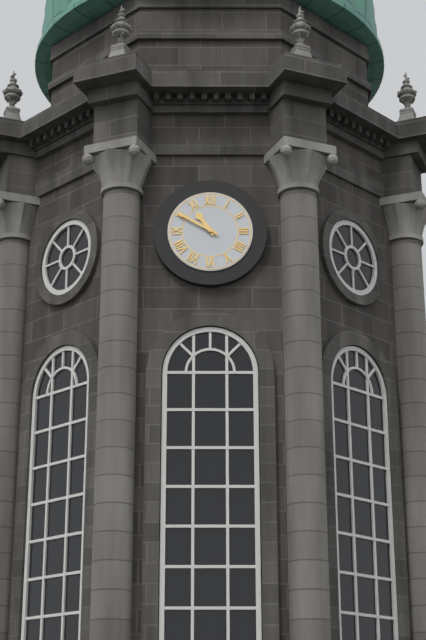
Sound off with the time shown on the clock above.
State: 10:50
